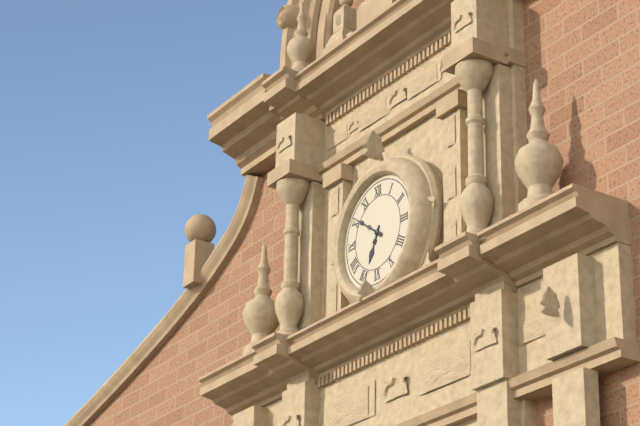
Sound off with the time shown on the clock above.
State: 6:51
